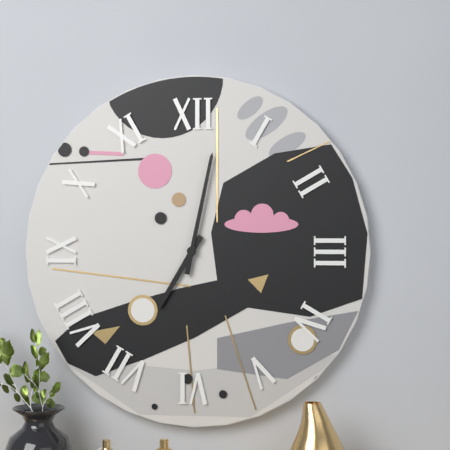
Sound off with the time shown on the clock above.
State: 7:02
